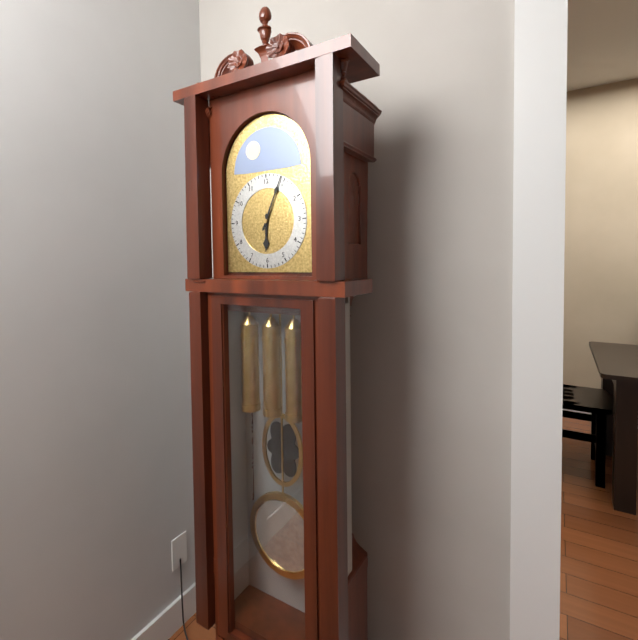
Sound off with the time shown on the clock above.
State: 6:04
